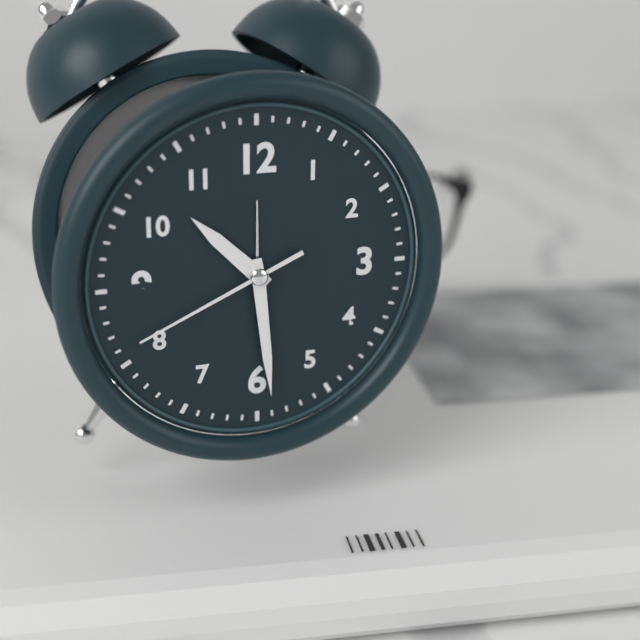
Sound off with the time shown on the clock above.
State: 10:29:41
